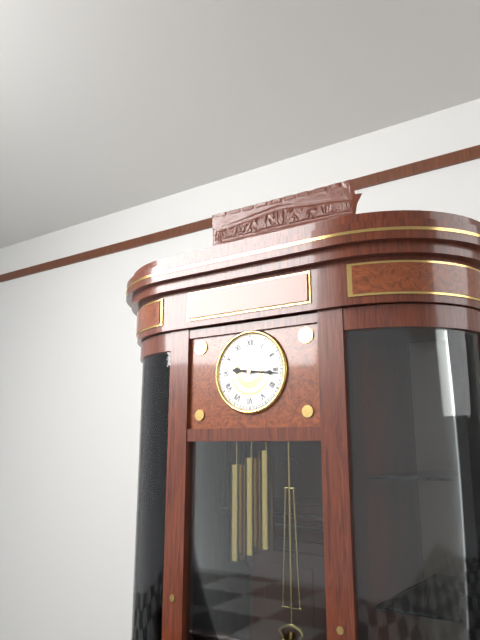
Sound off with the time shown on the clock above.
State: 9:16
